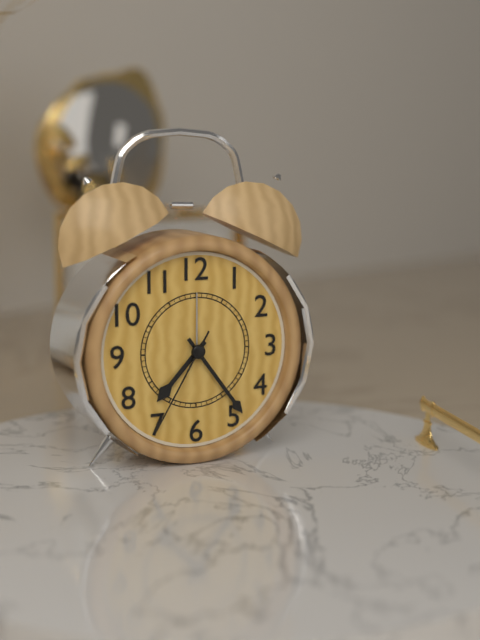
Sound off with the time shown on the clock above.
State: 7:24:35
